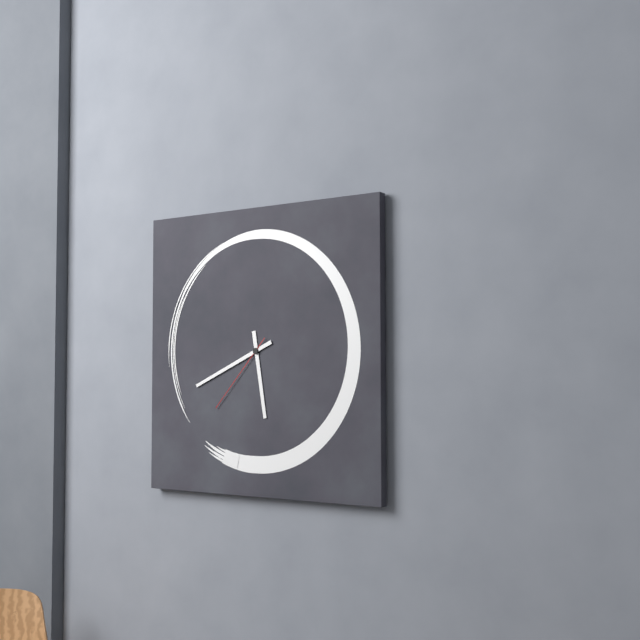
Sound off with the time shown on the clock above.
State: 5:41:37
